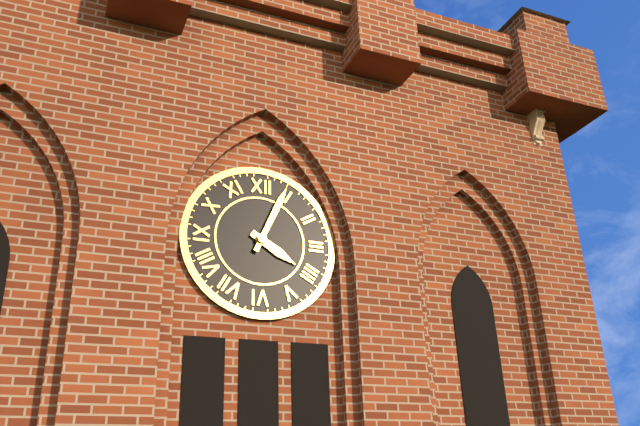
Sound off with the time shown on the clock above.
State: 4:04
